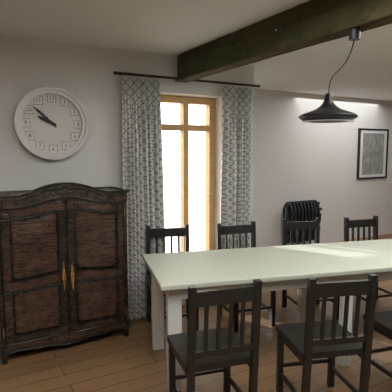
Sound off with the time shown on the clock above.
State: 9:52
